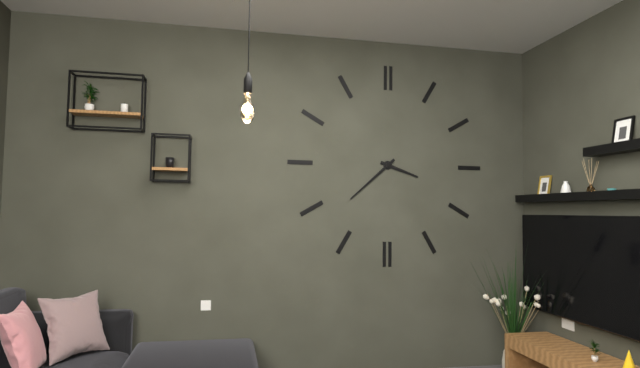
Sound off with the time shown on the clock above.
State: 3:38
